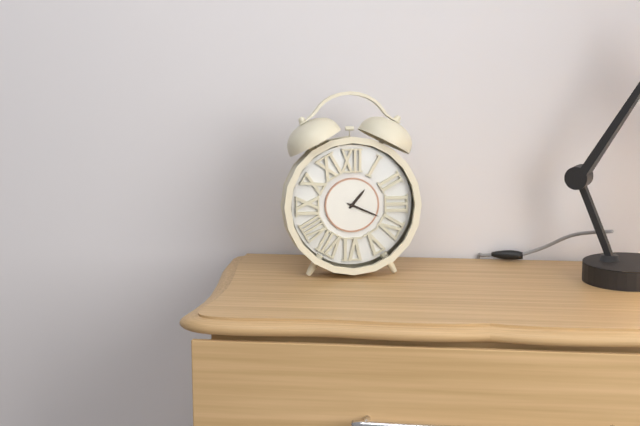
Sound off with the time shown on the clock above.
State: 1:19
